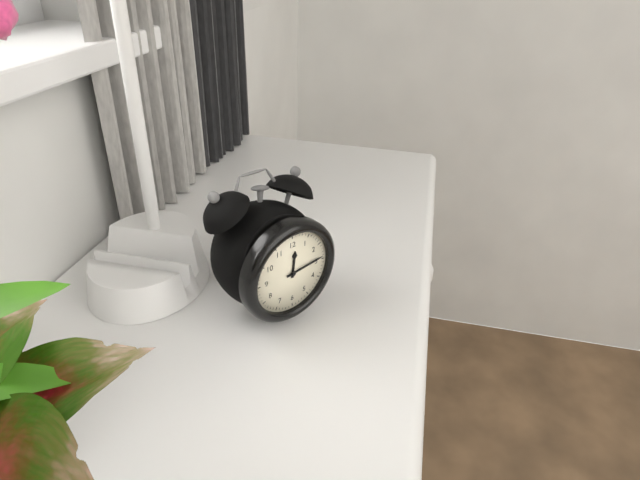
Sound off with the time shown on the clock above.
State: 12:14
